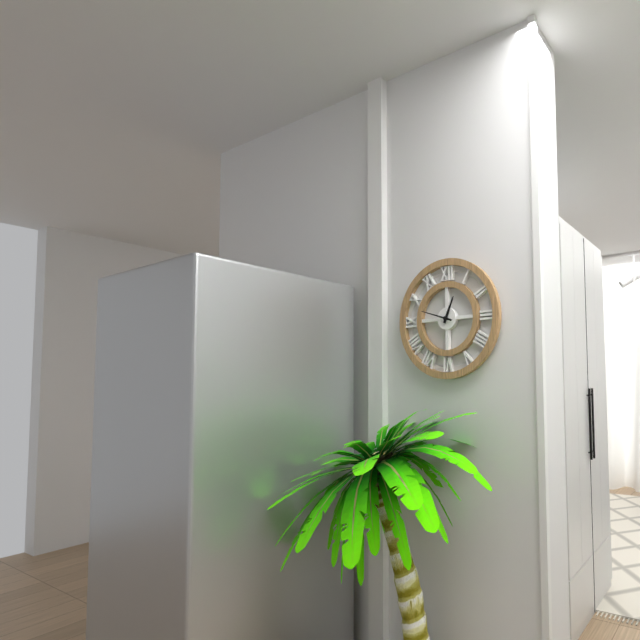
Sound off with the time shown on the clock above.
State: 12:48
